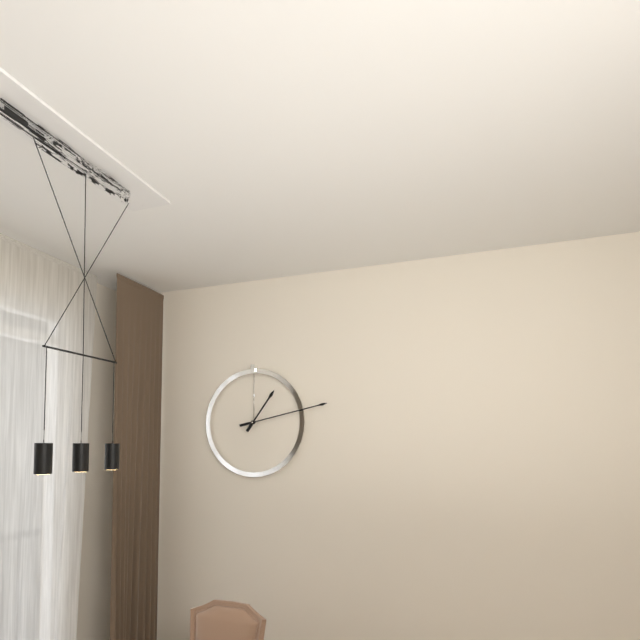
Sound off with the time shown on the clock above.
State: 1:13
